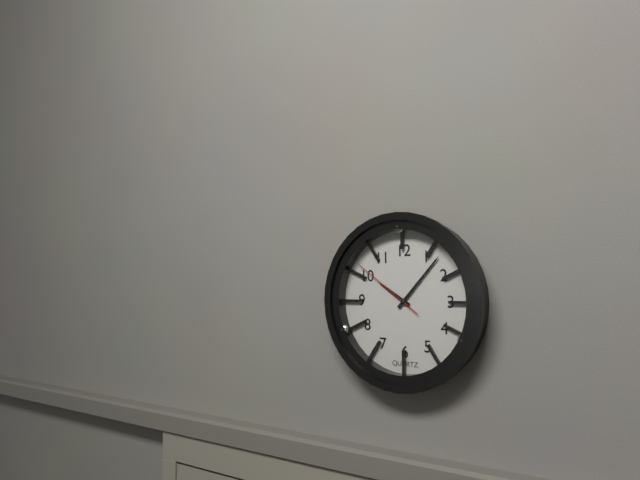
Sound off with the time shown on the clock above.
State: 10:07:51
